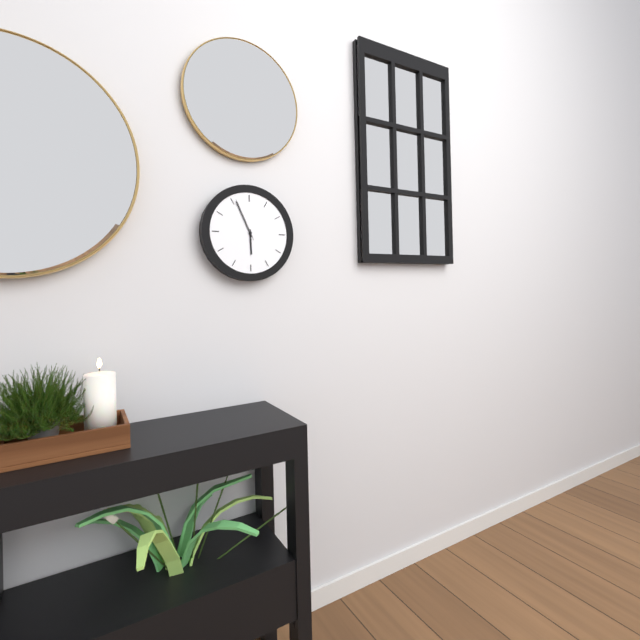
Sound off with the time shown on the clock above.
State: 5:56
